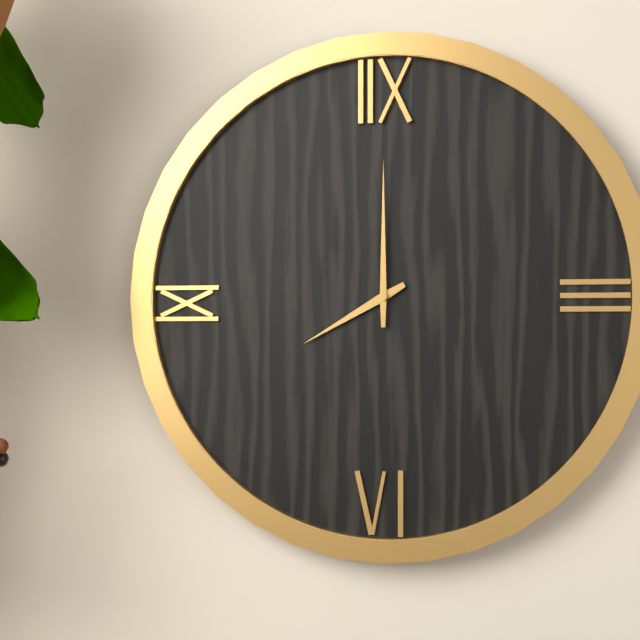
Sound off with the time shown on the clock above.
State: 8:00
